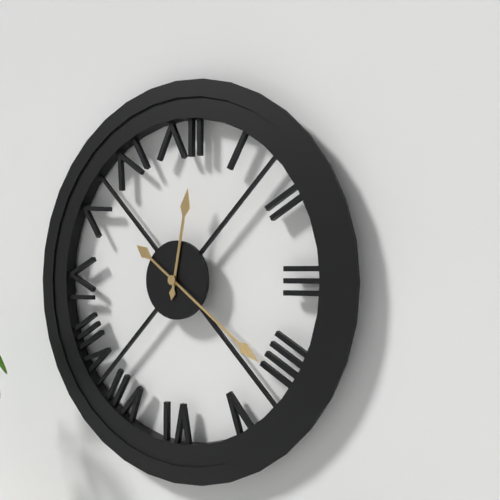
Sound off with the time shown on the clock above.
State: 12:21
